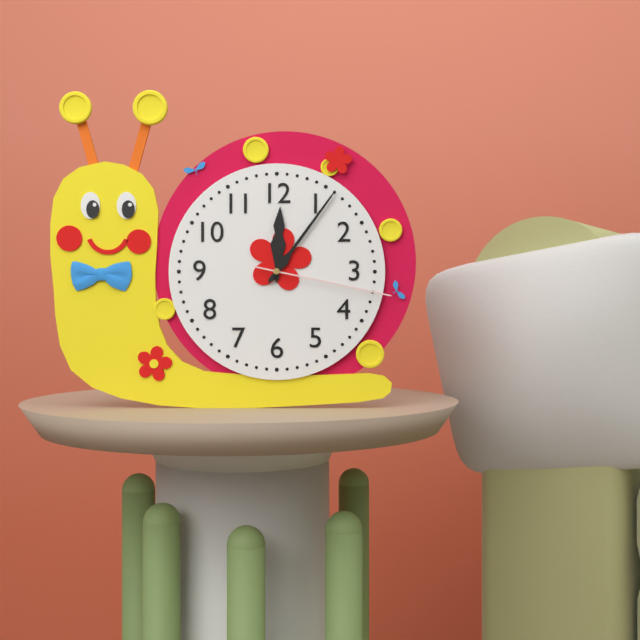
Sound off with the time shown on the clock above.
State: 12:06:17
